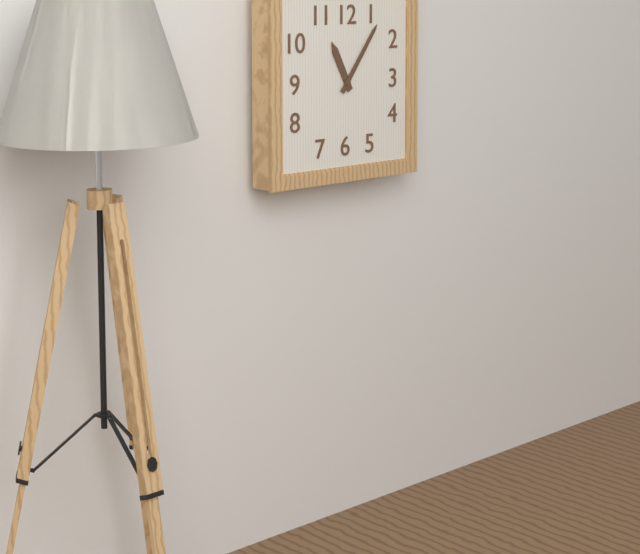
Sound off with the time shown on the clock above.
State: 11:06
